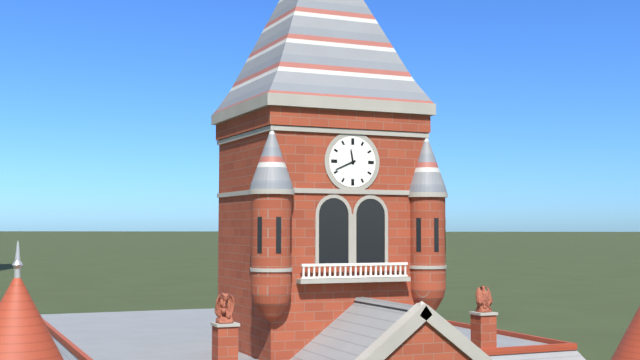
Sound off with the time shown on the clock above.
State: 11:41
